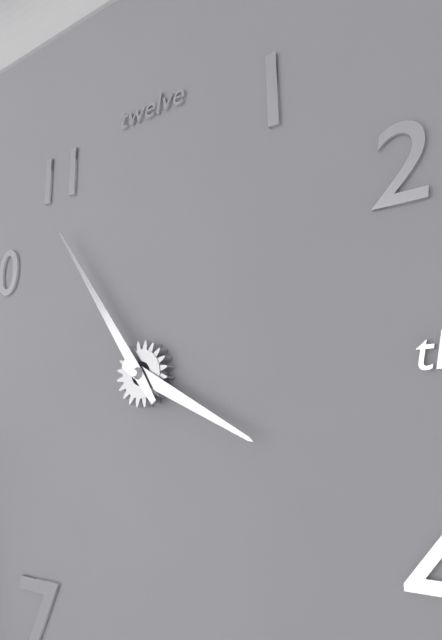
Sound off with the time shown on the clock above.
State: 3:54
